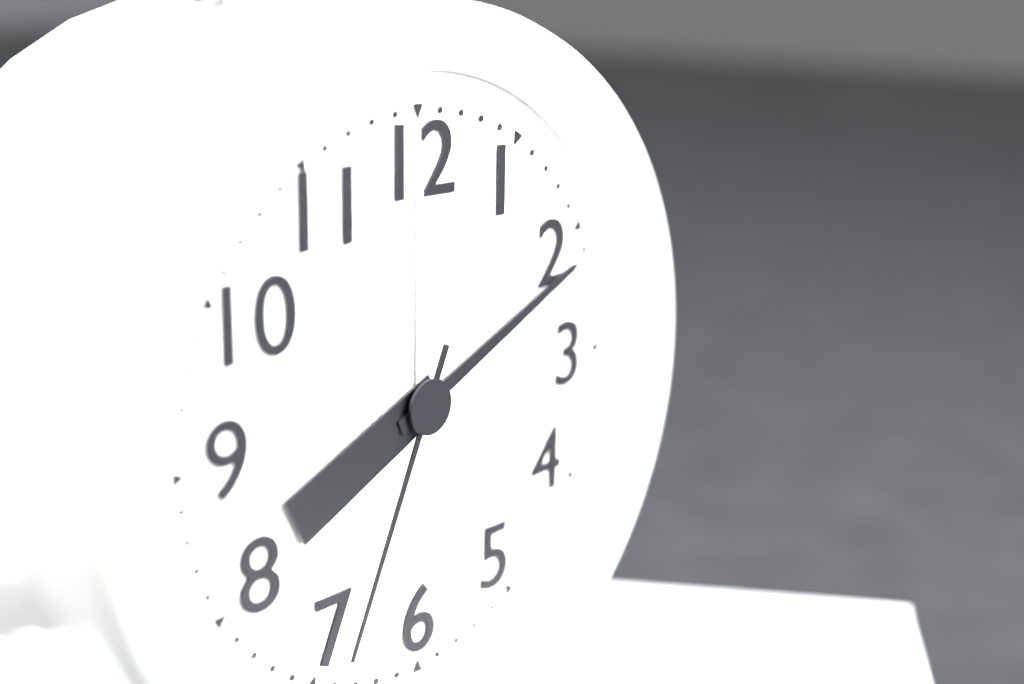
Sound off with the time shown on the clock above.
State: 8:11:34
